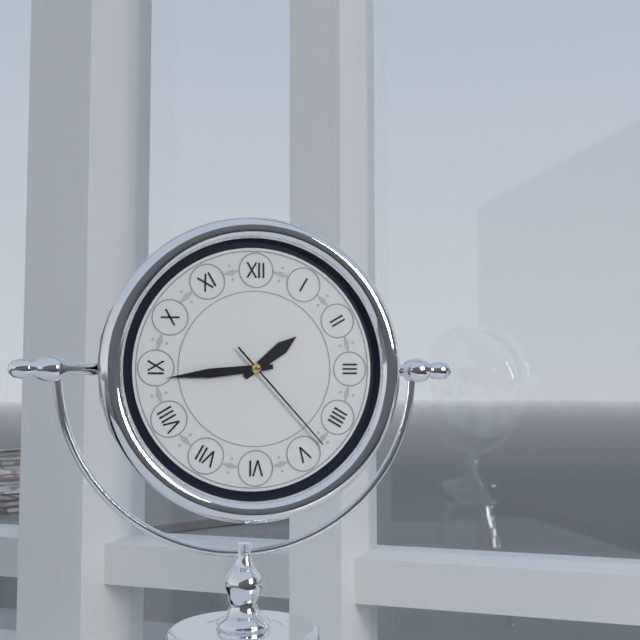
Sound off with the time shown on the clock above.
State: 1:44:23
